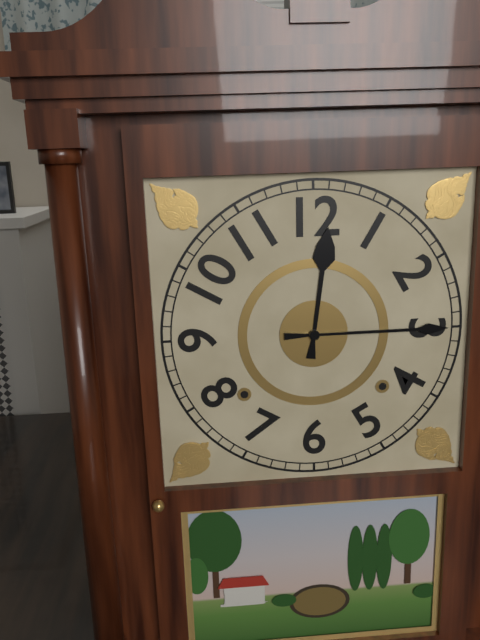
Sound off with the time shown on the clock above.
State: 12:15
